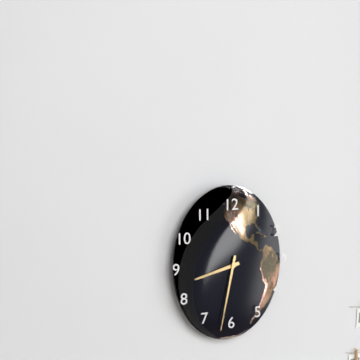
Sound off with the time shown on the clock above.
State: 8:32
